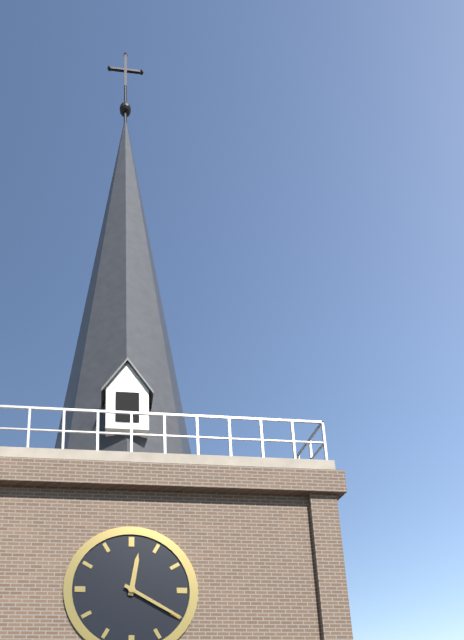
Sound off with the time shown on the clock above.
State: 12:20
